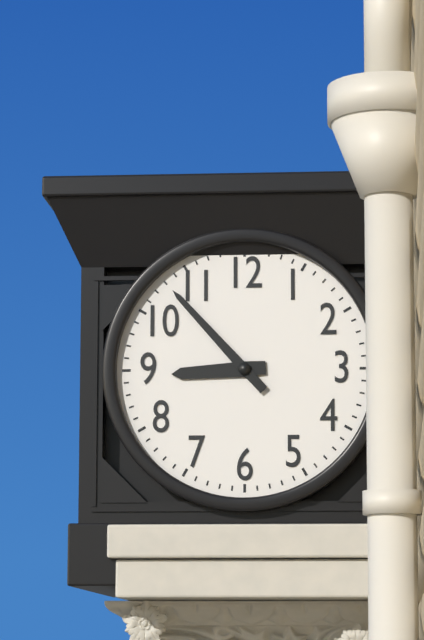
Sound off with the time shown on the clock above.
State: 8:53
